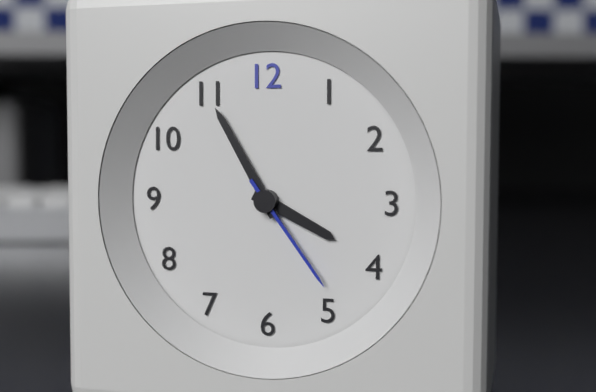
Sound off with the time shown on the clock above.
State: 3:55:24
